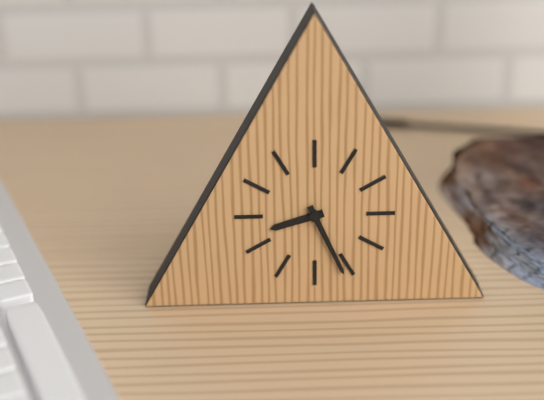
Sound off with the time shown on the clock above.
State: 8:26
